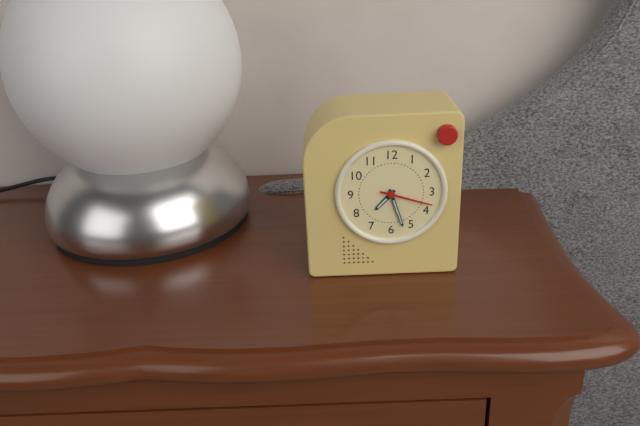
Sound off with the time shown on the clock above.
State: 7:27:18
